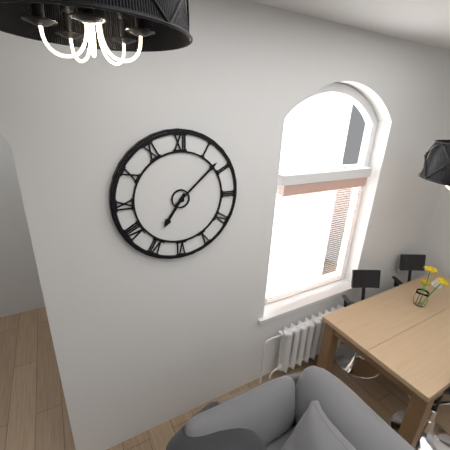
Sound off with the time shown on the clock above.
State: 7:08
